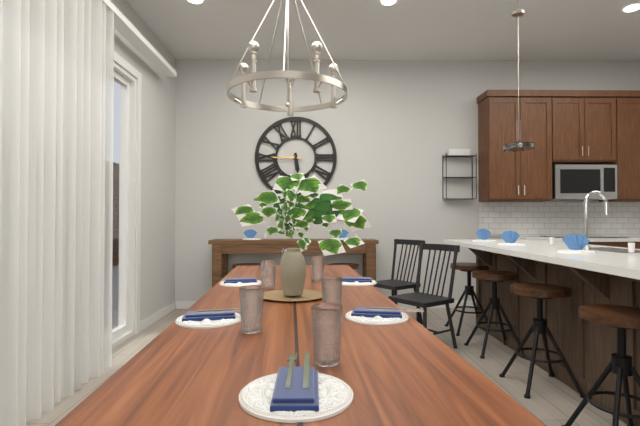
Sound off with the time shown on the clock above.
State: 5:45
